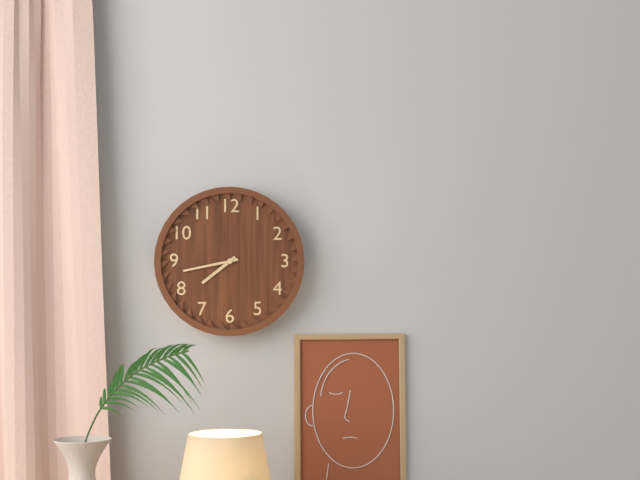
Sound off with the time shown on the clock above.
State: 7:43
